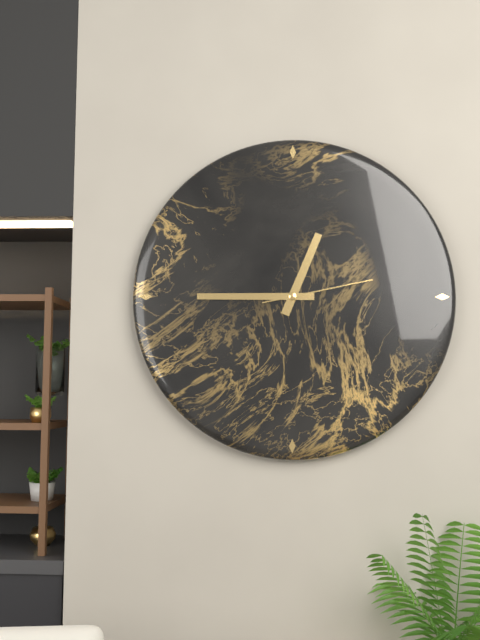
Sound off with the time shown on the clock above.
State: 12:45:13
